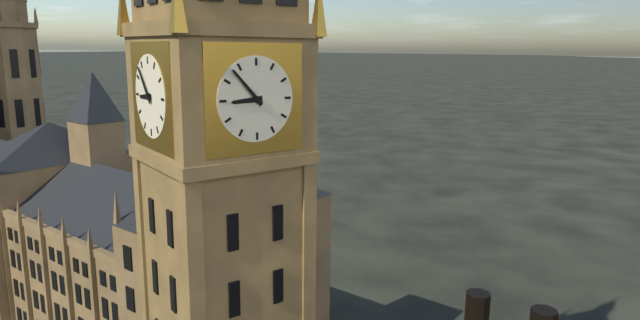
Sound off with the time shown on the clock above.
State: 8:53
